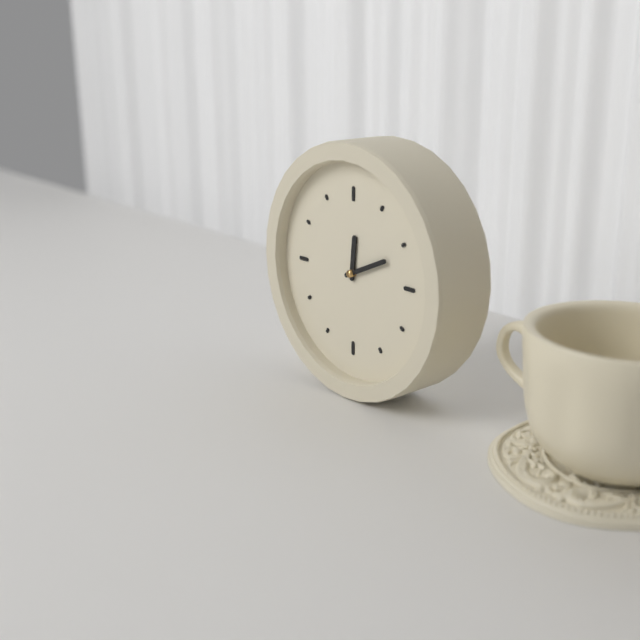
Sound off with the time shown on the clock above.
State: 12:11
